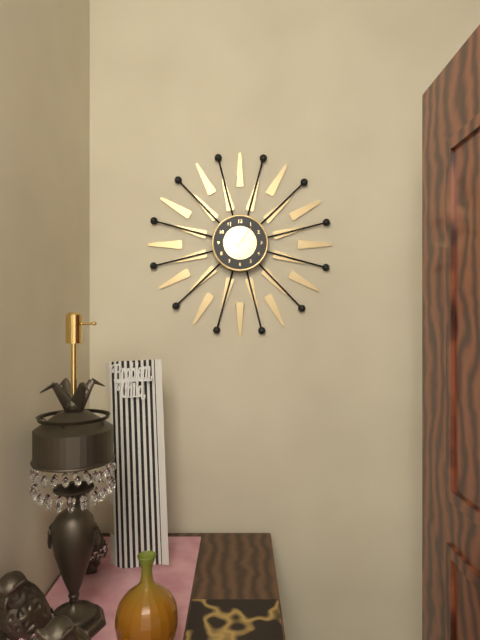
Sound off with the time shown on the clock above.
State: 2:06
